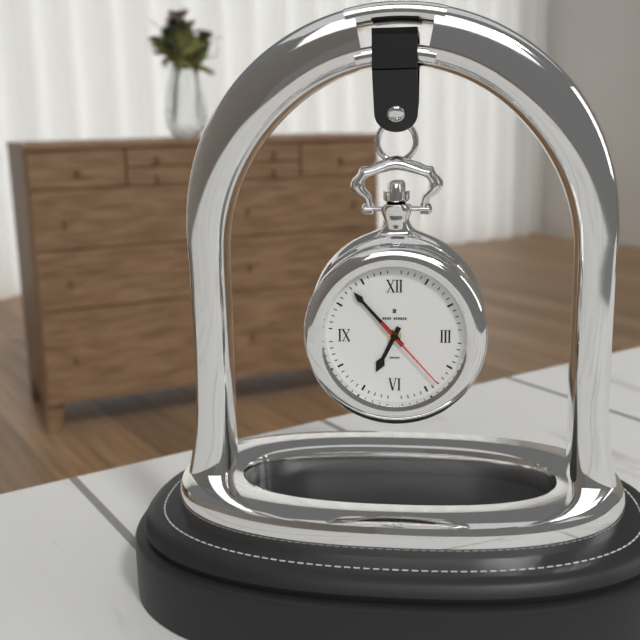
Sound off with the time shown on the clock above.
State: 6:53:23
